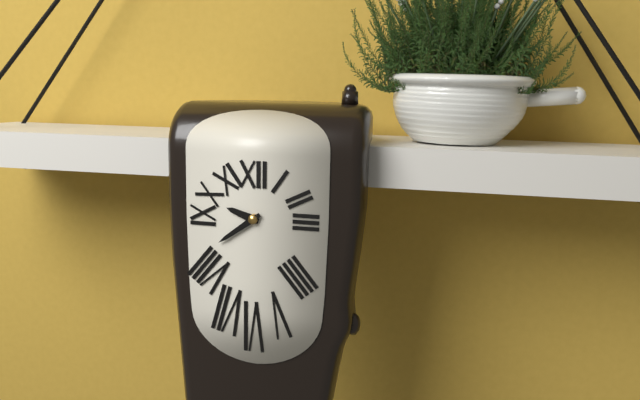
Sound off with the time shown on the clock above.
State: 9:39
